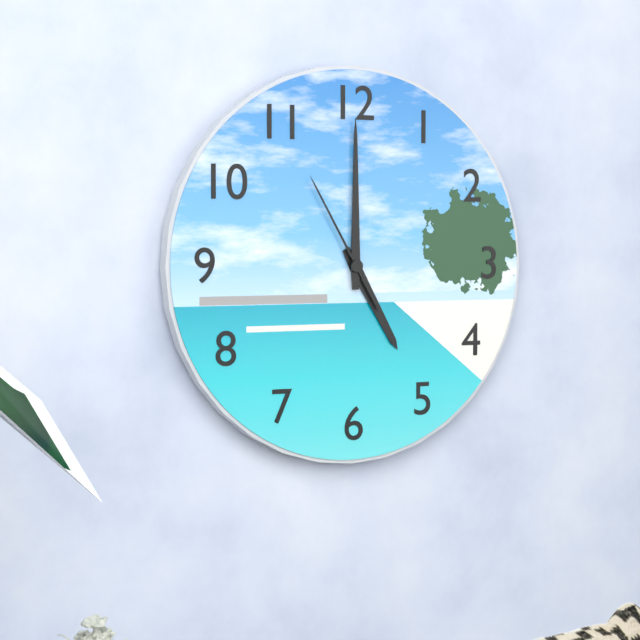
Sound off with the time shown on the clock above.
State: 5:00:55
